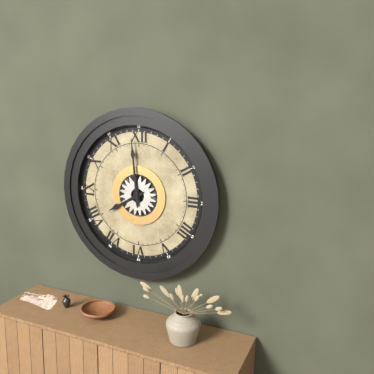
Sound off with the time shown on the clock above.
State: 7:59
